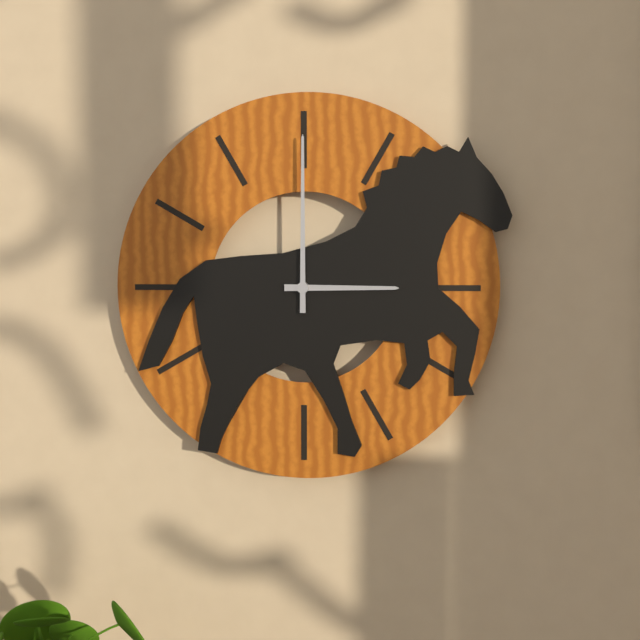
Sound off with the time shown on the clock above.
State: 3:00
